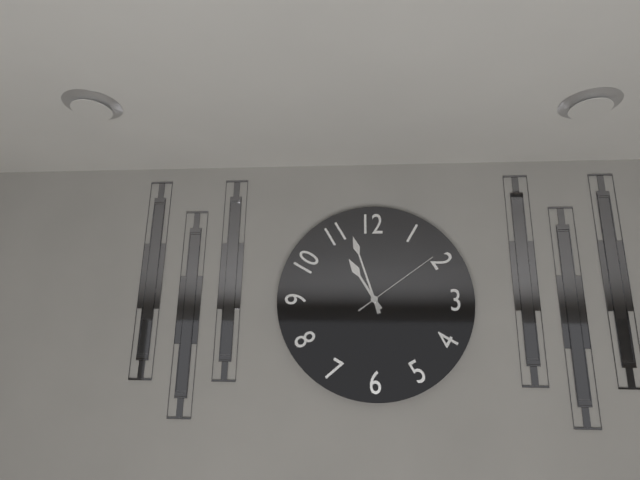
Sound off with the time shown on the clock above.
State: 10:57:09
